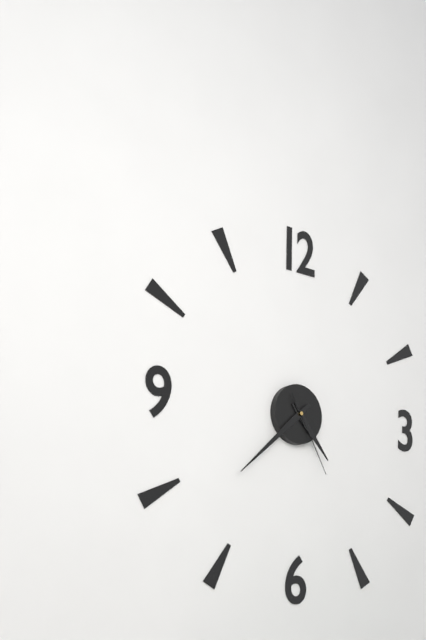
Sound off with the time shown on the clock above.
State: 4:38:25
